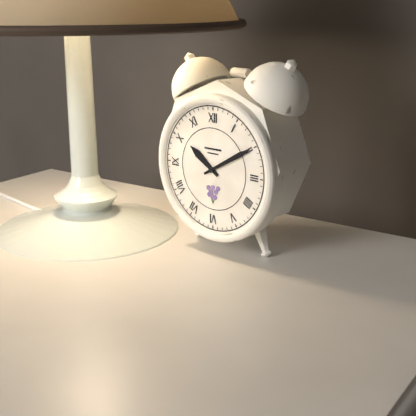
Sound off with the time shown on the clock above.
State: 10:10
